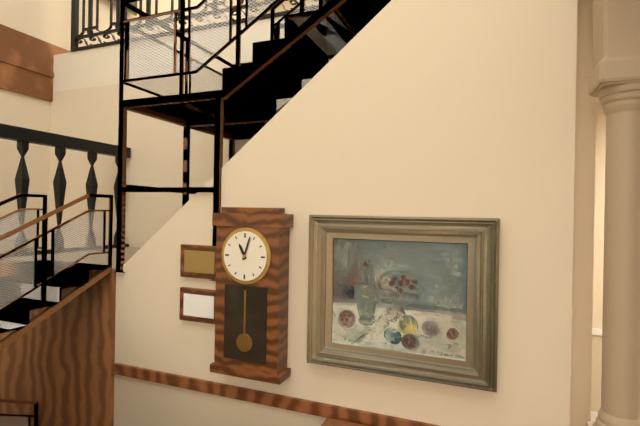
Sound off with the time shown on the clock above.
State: 11:03
